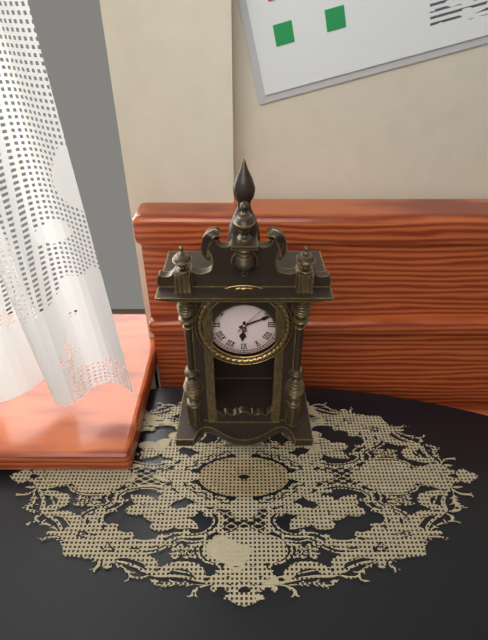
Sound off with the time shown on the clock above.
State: 6:11
